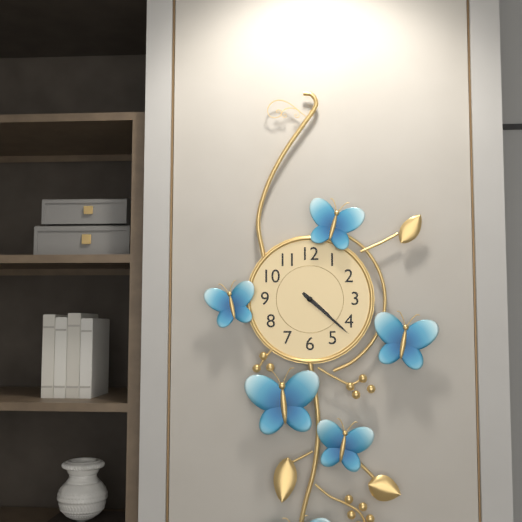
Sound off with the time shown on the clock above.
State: 4:22
